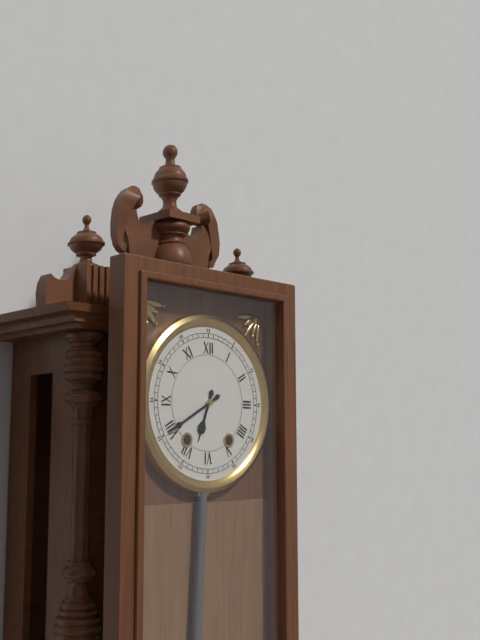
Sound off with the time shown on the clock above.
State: 6:40
